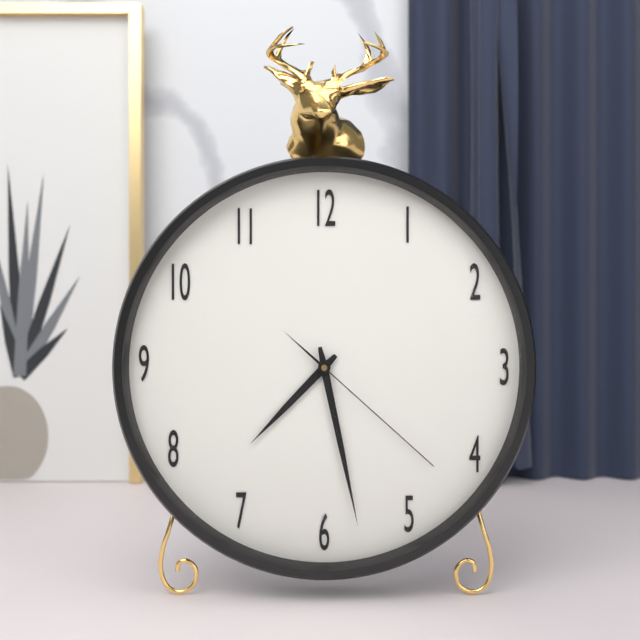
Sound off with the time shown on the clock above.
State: 7:28:22
